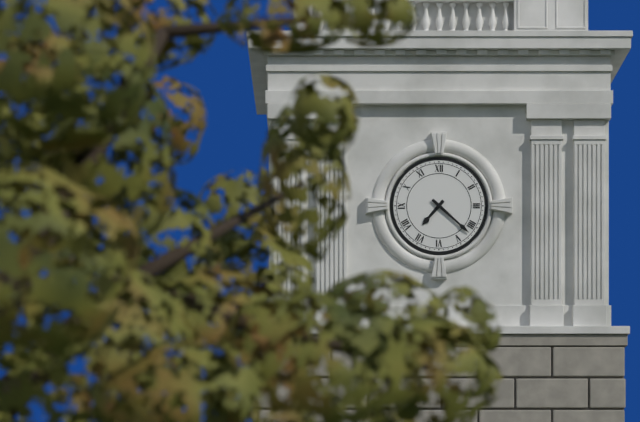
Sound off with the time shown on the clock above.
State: 7:22
